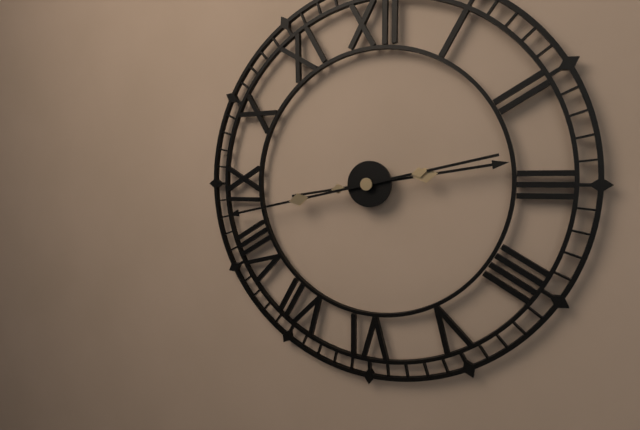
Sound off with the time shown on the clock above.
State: 2:43
